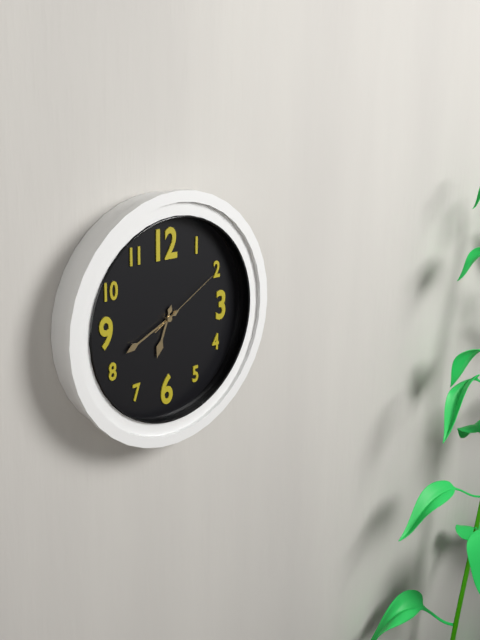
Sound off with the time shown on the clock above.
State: 6:41:10
